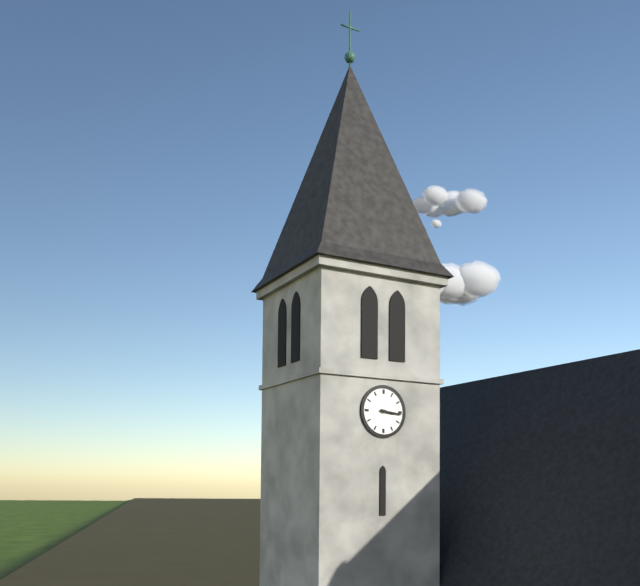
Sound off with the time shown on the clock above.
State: 3:16
